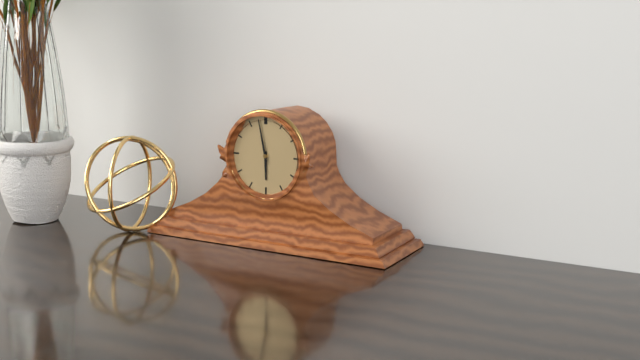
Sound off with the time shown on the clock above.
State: 5:58
